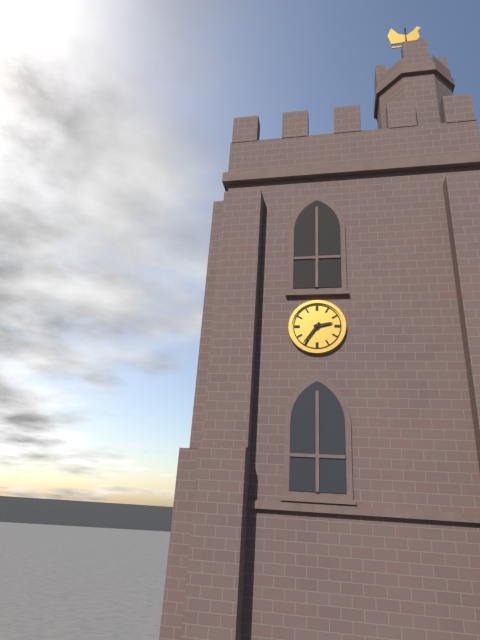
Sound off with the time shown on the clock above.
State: 2:36
